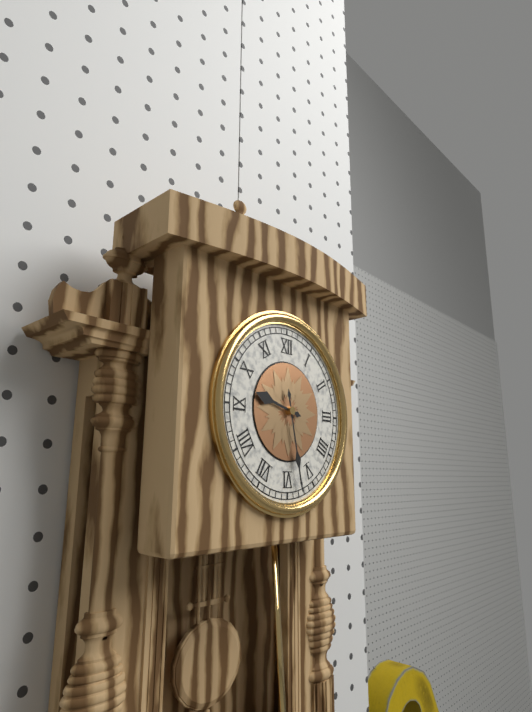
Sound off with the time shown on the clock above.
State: 9:28
